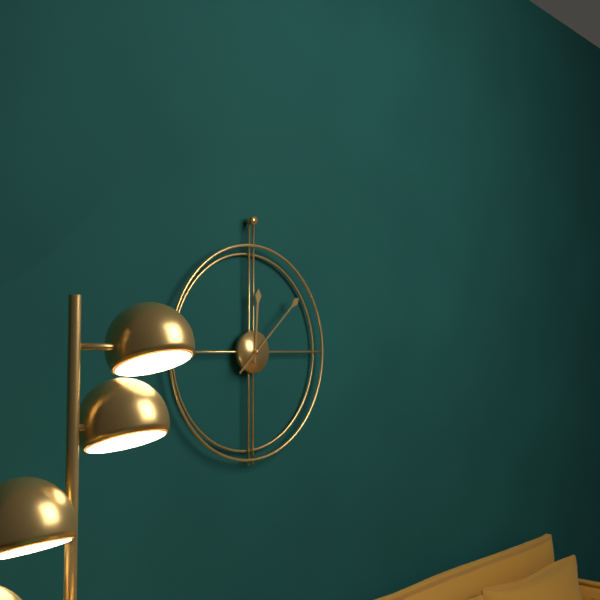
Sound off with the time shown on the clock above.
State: 12:08
